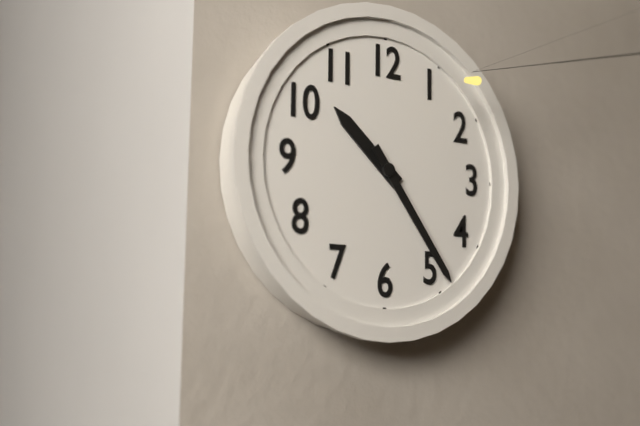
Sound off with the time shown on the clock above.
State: 10:24
